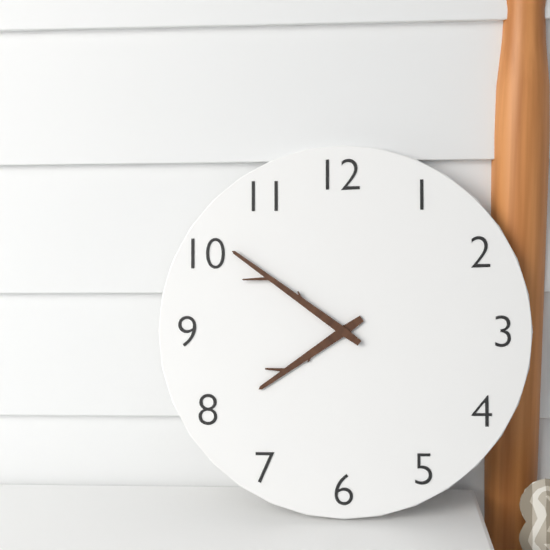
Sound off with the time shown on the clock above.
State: 7:51
